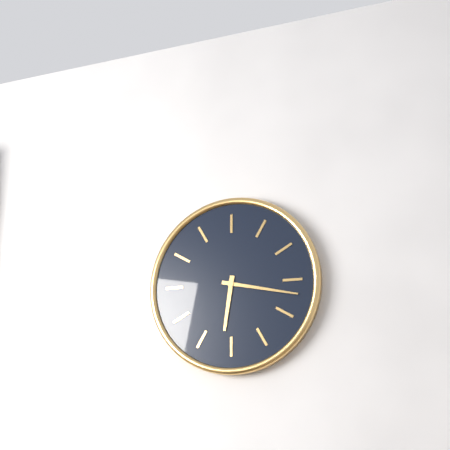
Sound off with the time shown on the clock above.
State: 6:17
